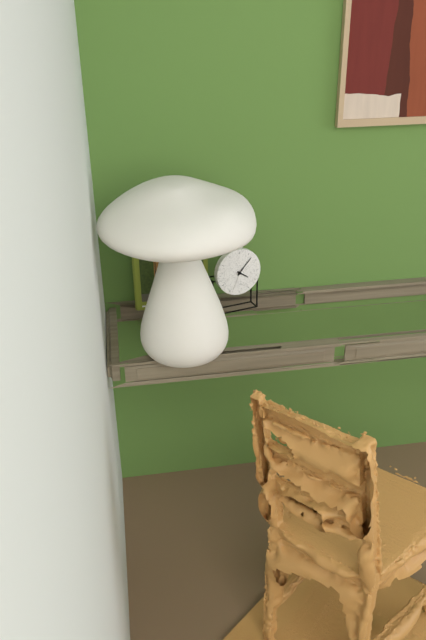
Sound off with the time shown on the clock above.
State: 4:07
